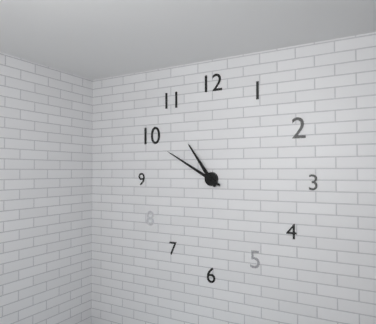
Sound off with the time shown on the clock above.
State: 10:50
